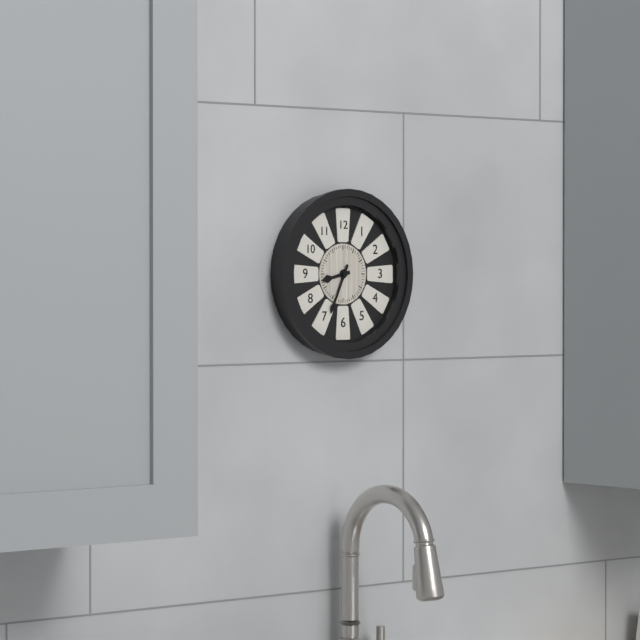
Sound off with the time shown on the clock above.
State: 8:34
